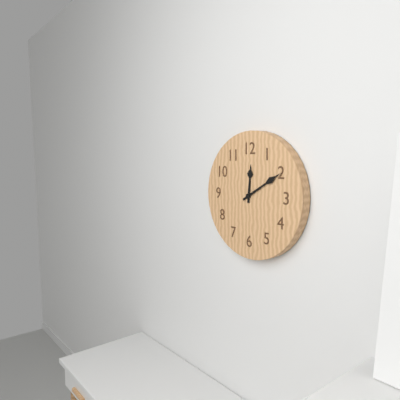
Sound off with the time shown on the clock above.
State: 12:10
